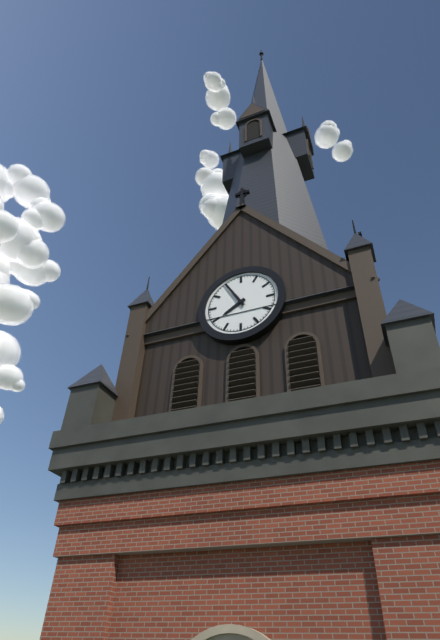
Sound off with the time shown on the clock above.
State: 7:55
